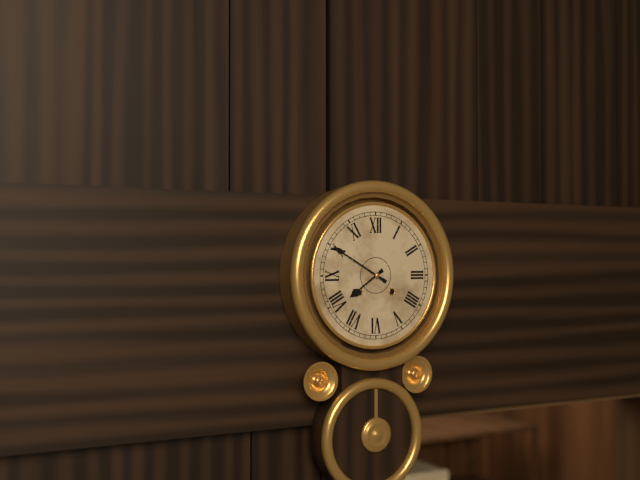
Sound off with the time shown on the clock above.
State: 7:50
